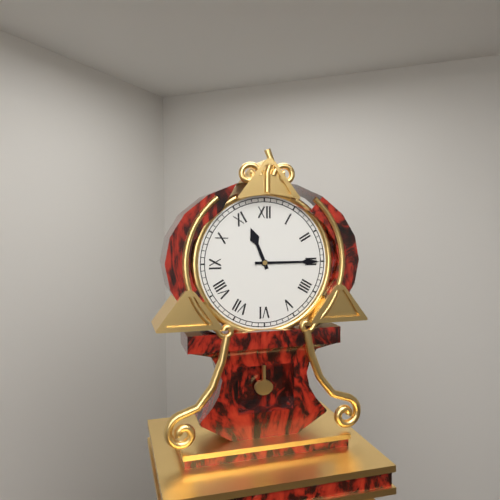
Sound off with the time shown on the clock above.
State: 11:15
